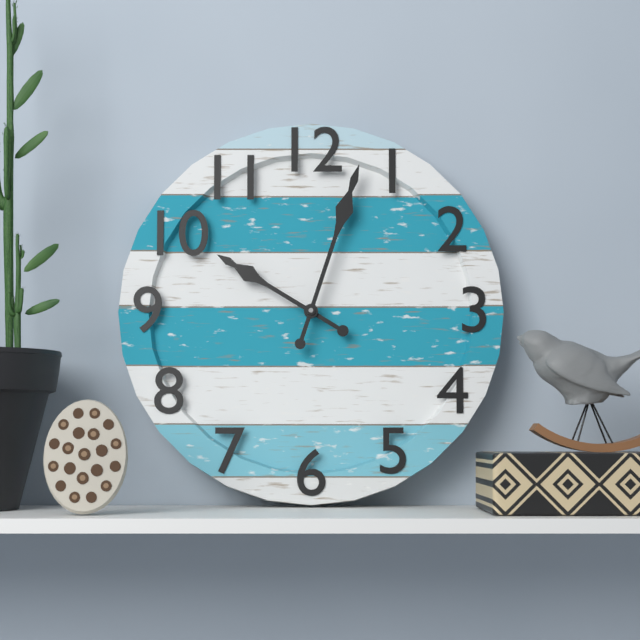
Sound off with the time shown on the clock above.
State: 10:03
